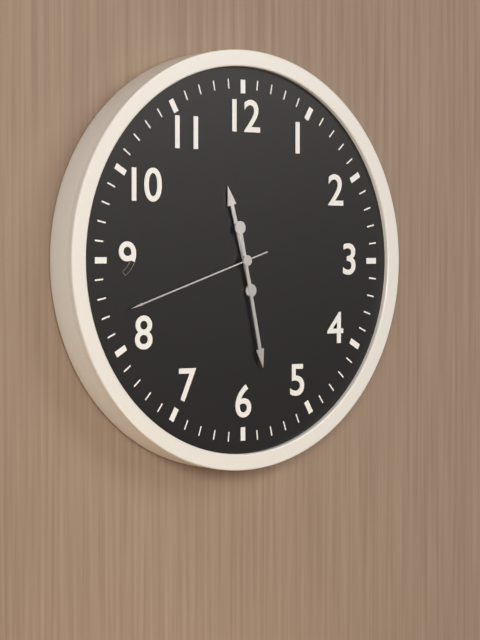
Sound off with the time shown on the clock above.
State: 11:28:42
